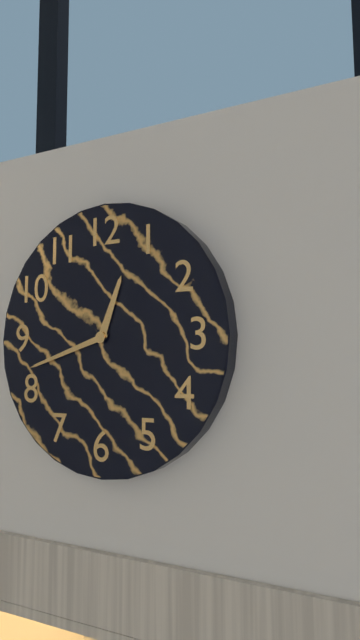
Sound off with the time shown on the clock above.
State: 12:42
